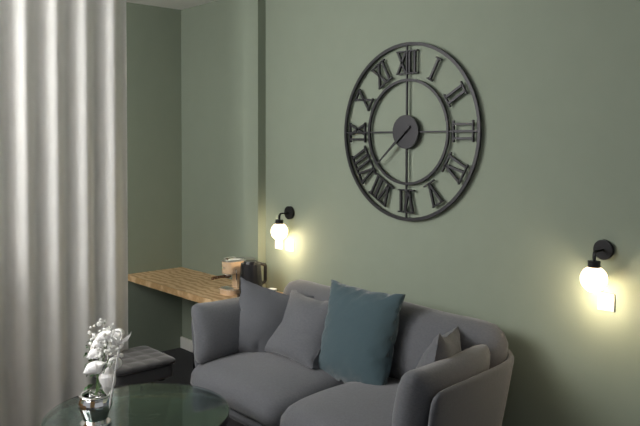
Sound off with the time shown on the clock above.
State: 7:38
